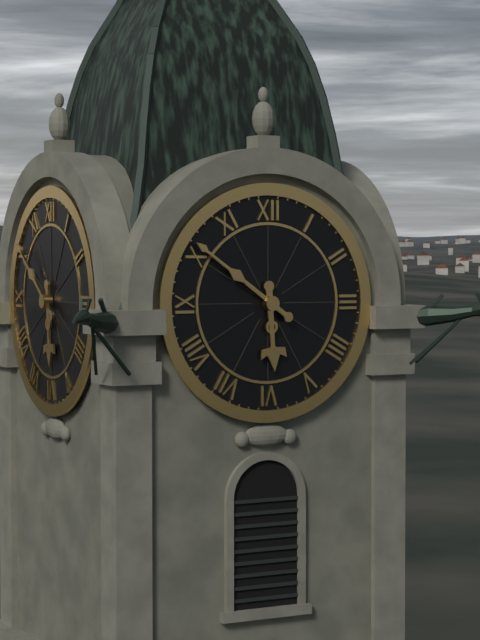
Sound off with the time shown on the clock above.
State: 5:51
